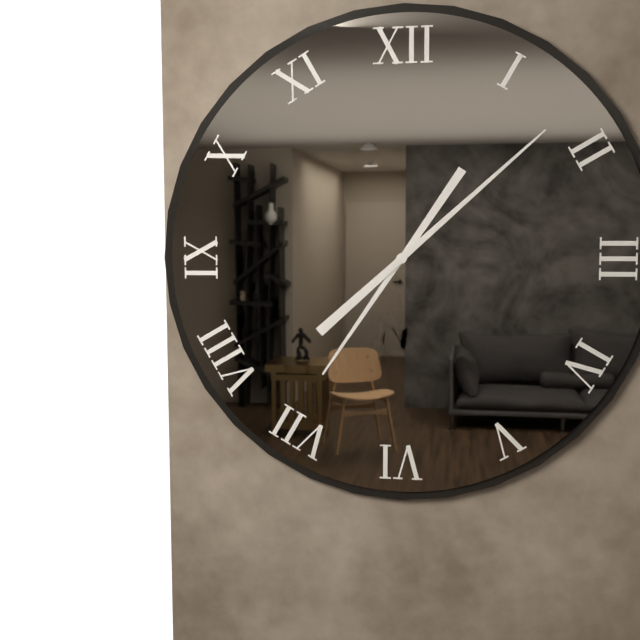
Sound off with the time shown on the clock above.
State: 7:08
